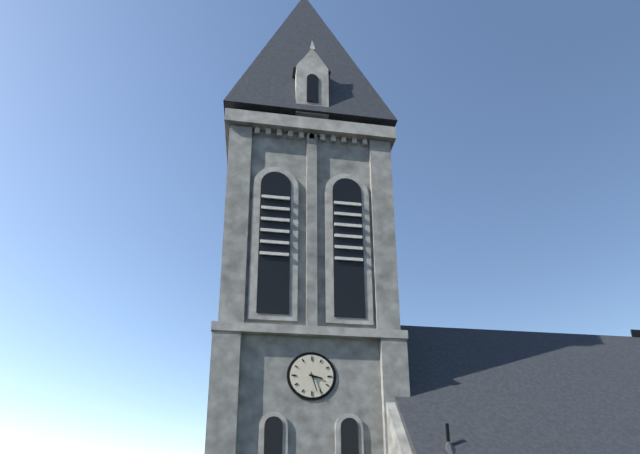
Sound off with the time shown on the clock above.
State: 3:27
